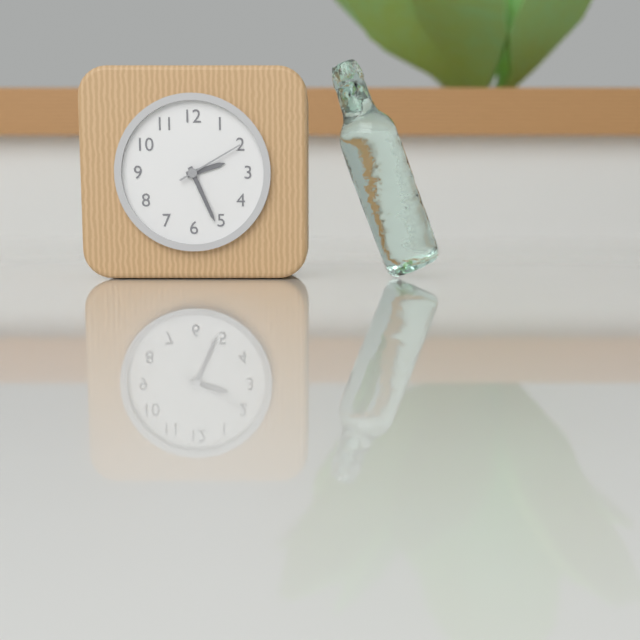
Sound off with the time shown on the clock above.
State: 2:26:10
